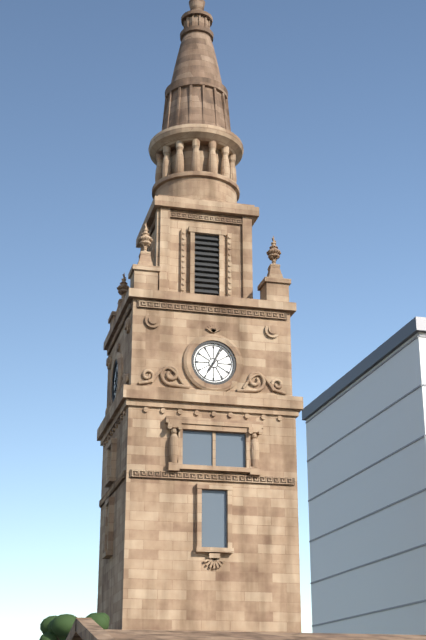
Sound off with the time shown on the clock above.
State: 7:04
